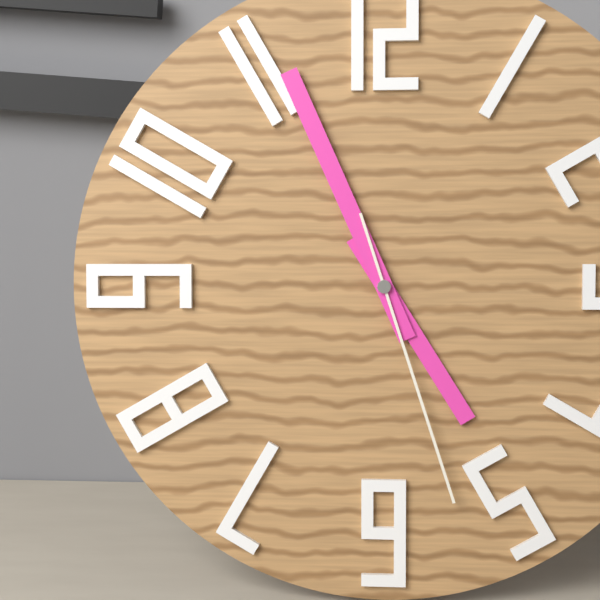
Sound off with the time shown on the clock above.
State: 4:56:27
